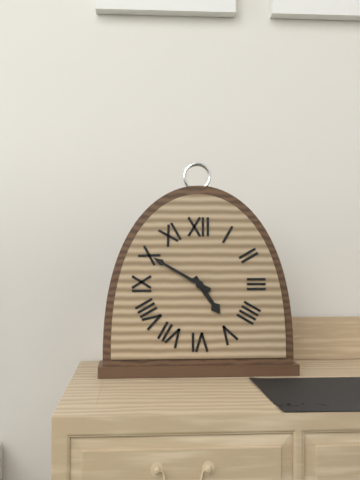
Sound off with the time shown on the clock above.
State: 4:50
